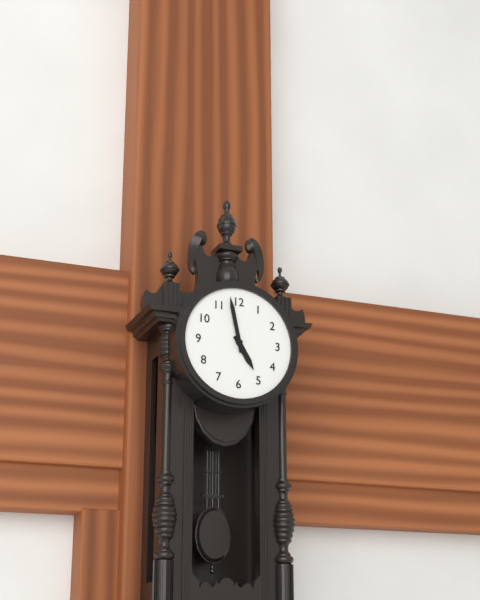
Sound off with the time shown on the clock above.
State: 4:58
